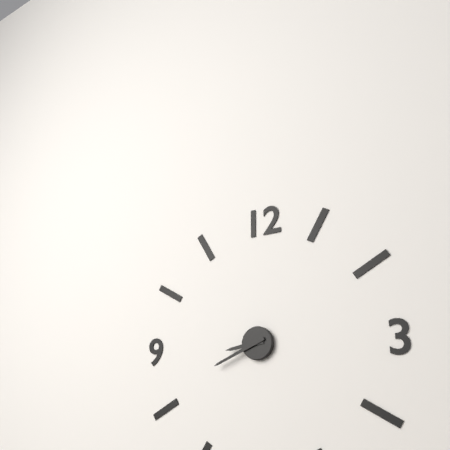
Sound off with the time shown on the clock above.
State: 8:41
